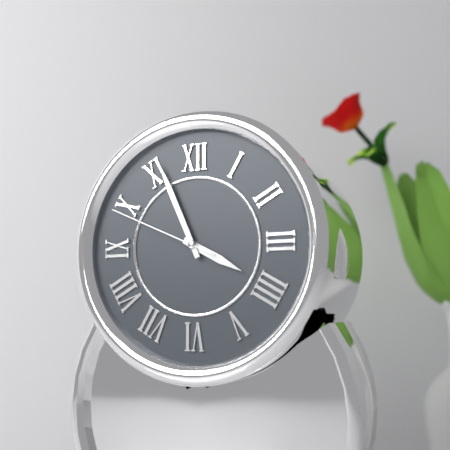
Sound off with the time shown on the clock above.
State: 3:56:49
